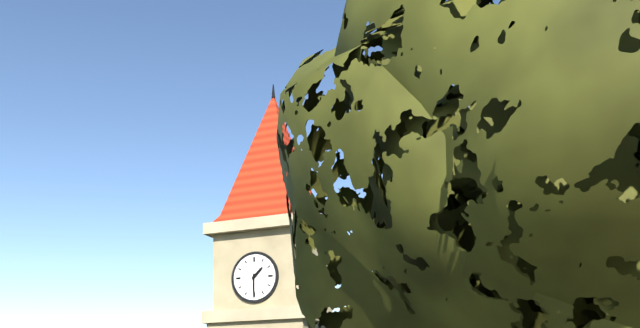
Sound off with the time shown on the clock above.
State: 1:30
